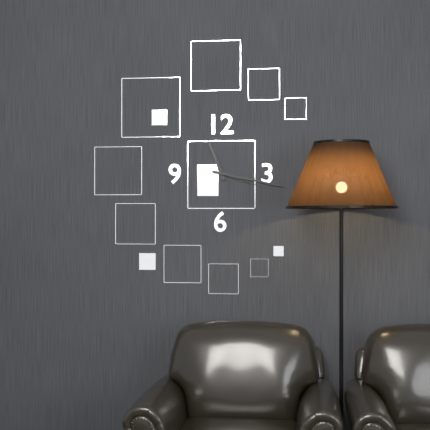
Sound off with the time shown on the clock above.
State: 11:17:18
